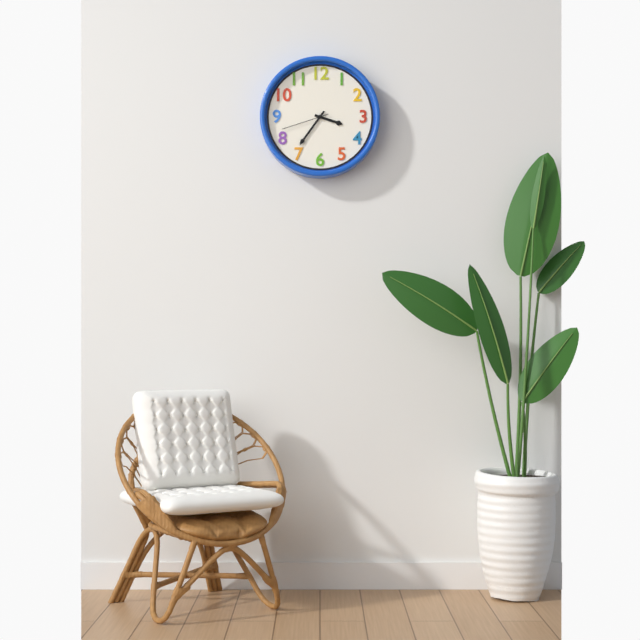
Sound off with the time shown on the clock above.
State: 3:36:42
